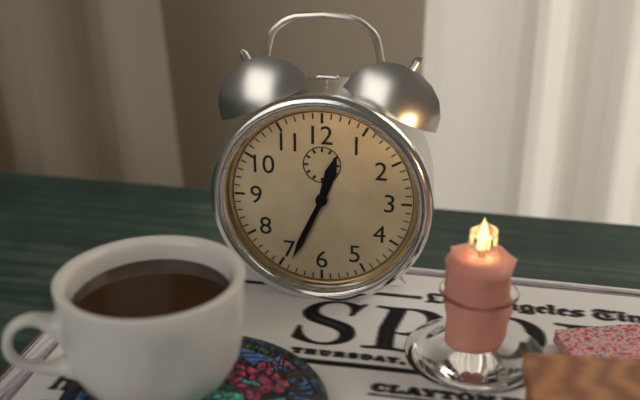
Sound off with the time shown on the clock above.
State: 12:34
